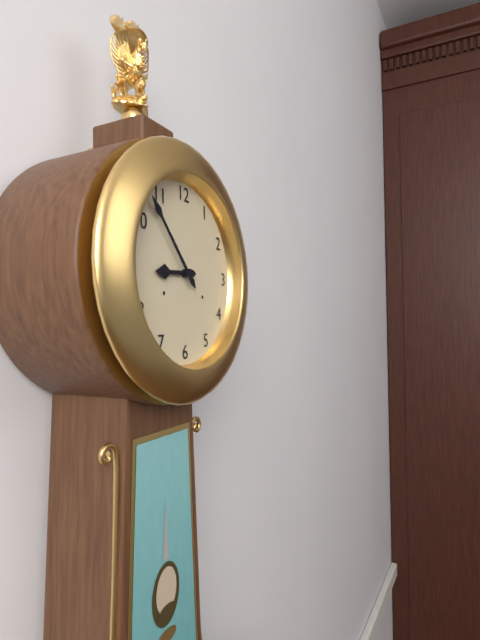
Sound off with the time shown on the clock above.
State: 8:53
